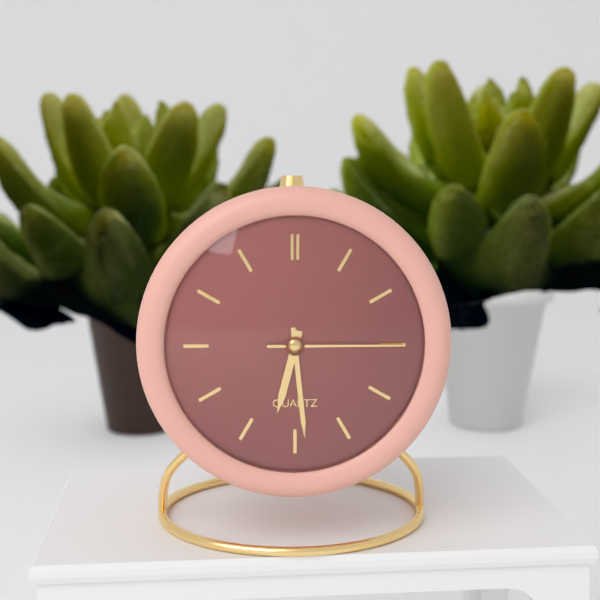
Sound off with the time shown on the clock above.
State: 6:29:15
